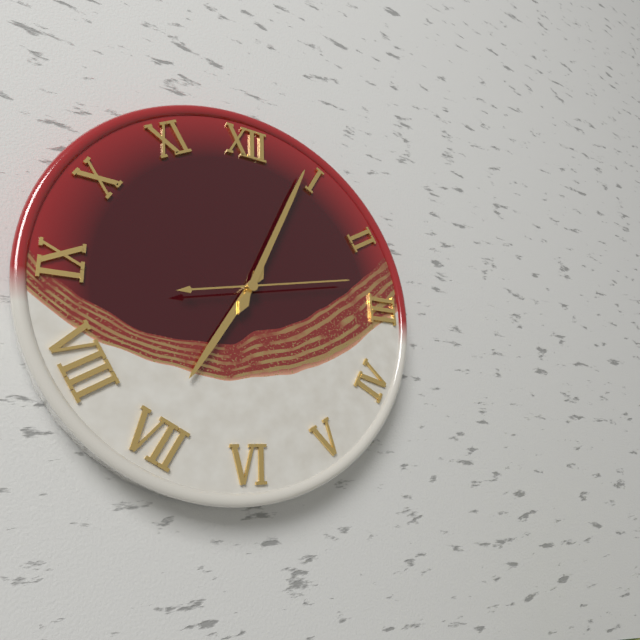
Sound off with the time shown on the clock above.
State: 7:04:13
